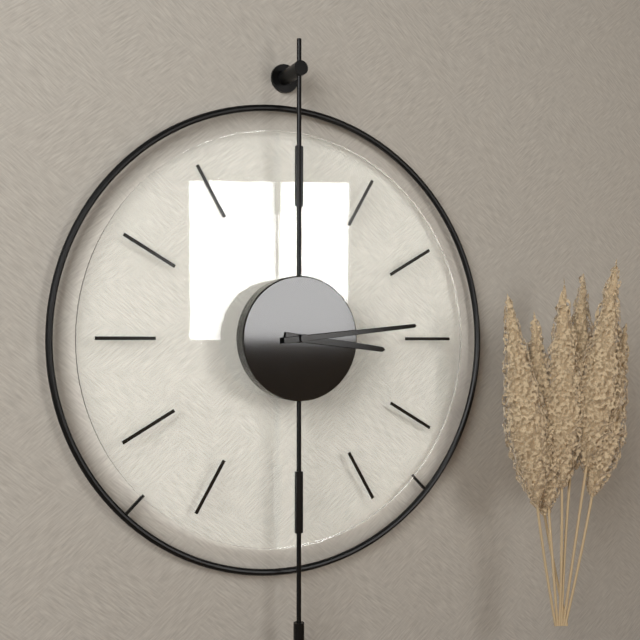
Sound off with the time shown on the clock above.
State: 3:14
